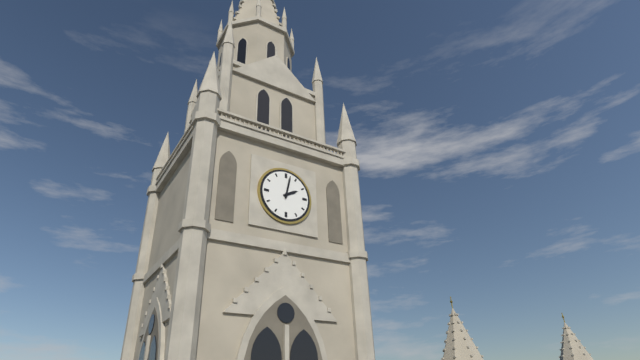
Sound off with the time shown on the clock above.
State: 2:02
